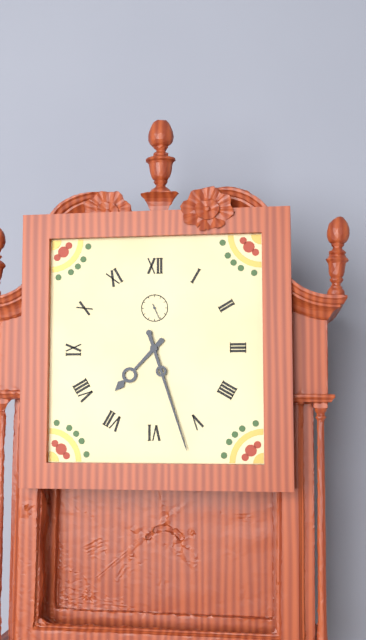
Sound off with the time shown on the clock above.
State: 7:27
